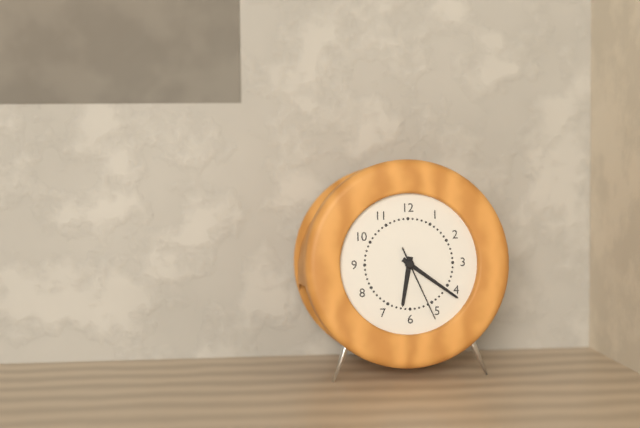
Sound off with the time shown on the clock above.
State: 6:21:26
